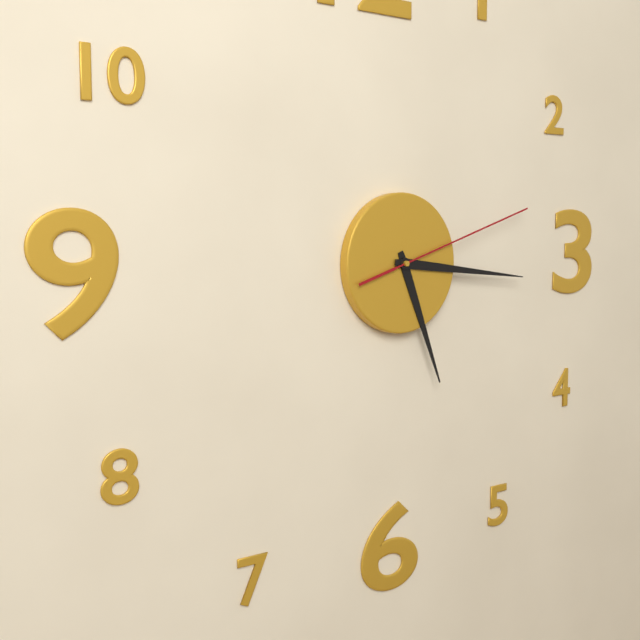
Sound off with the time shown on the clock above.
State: 5:16:12
